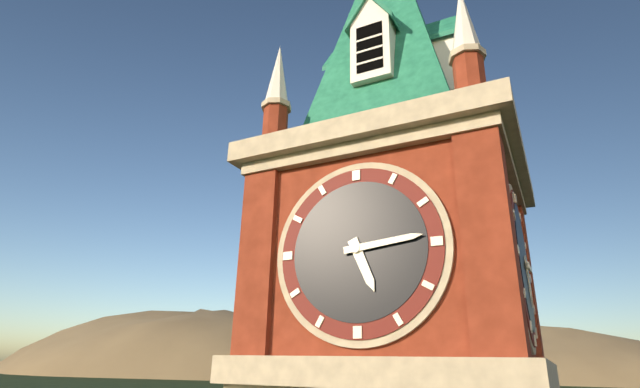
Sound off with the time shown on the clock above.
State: 5:14
